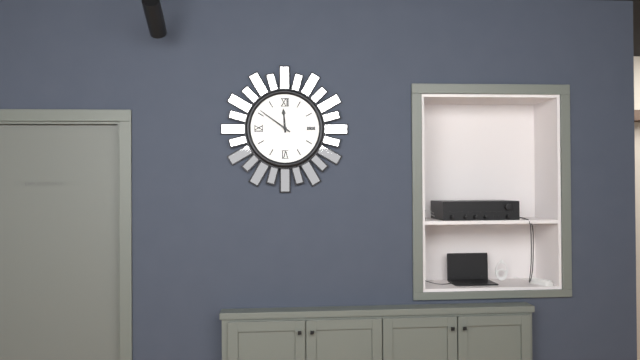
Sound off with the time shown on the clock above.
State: 11:51
